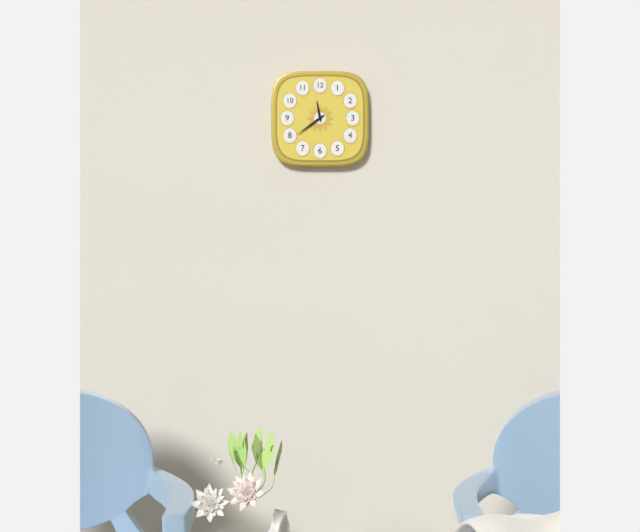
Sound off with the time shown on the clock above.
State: 11:39
